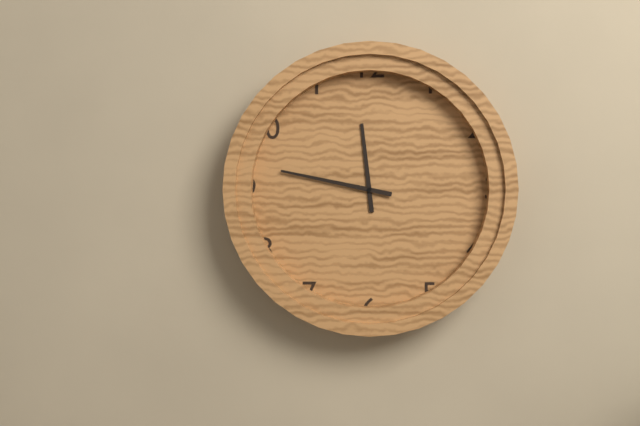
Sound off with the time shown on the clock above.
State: 11:47
